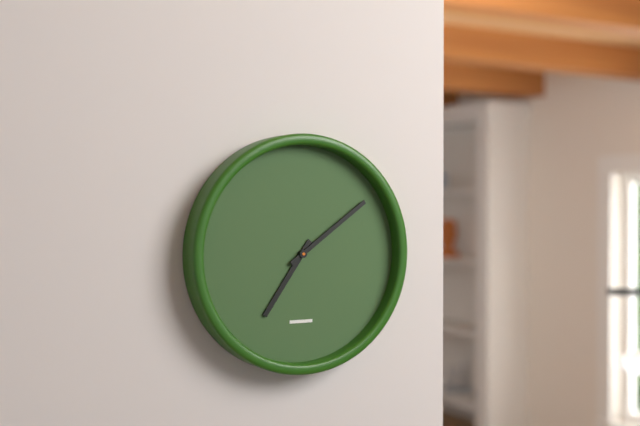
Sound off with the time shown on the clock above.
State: 7:09
